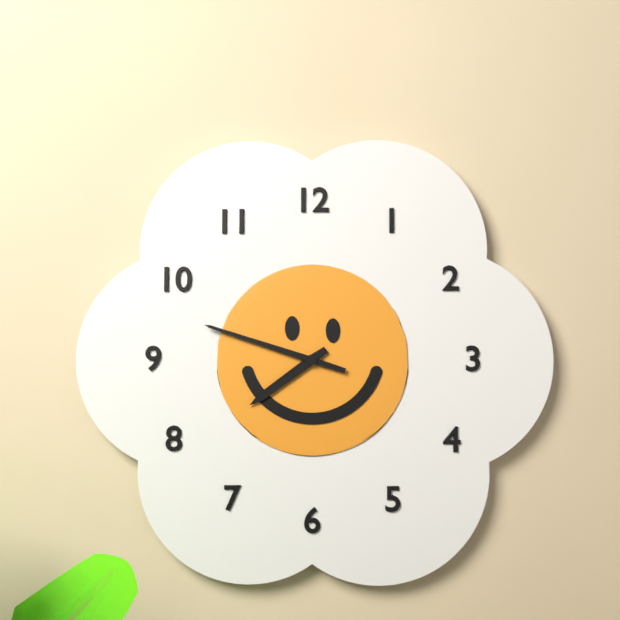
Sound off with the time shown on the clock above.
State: 7:48
